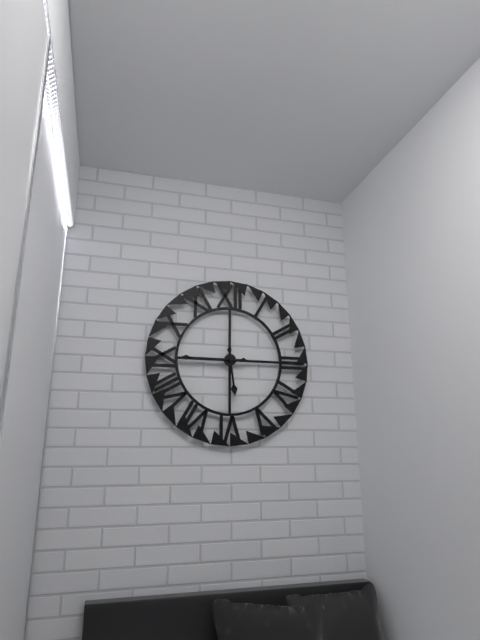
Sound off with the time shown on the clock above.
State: 5:45
